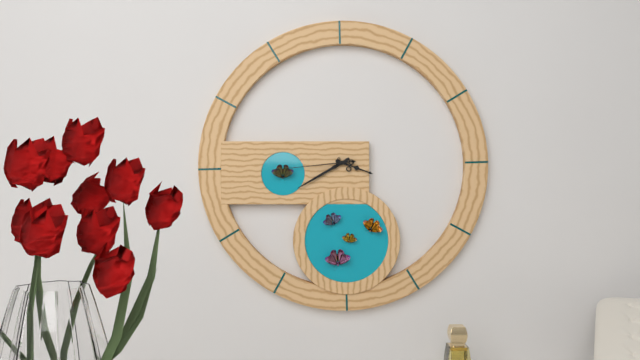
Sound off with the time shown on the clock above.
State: 3:40:44
